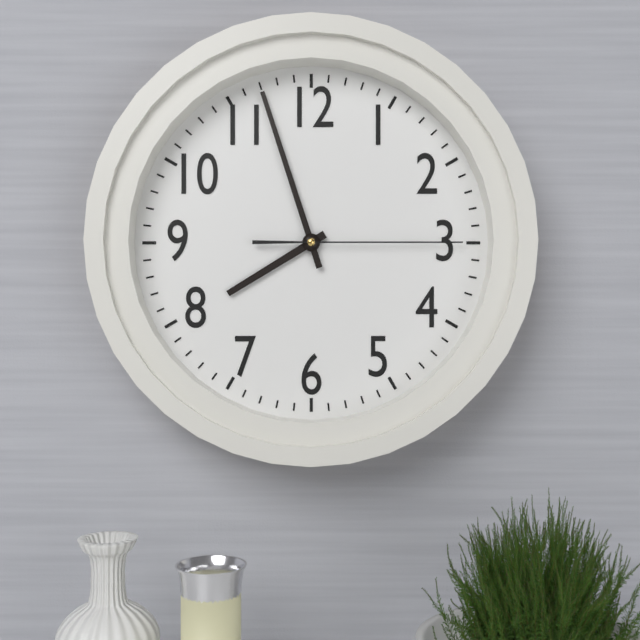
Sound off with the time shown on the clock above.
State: 7:57:15
